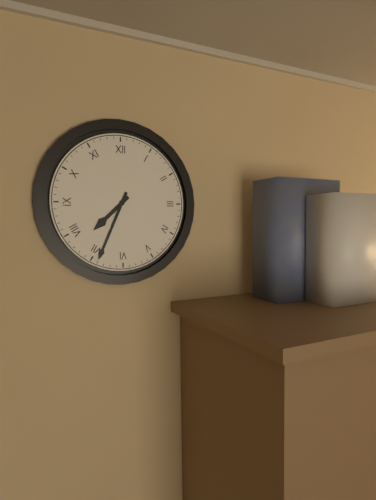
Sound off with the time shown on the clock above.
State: 7:34
